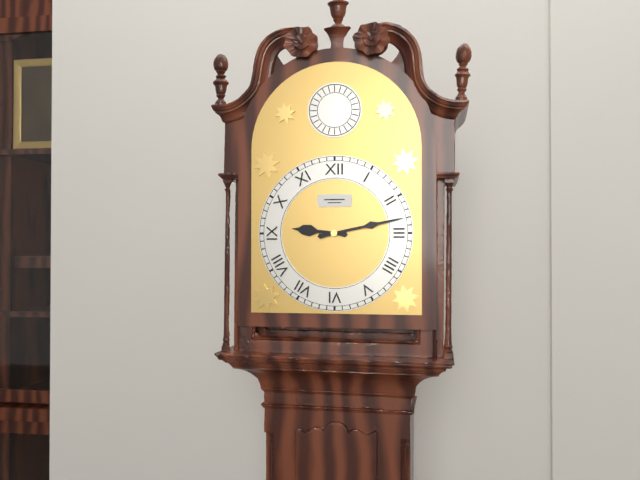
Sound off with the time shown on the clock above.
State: 9:13
